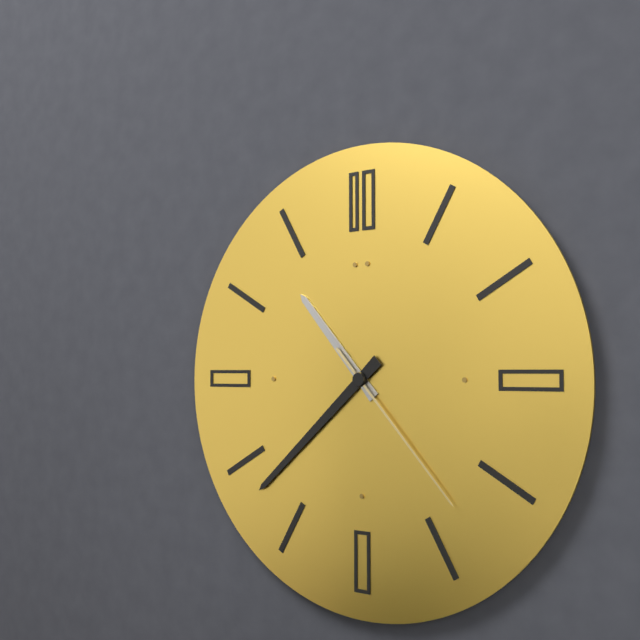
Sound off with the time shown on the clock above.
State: 10:38:23
